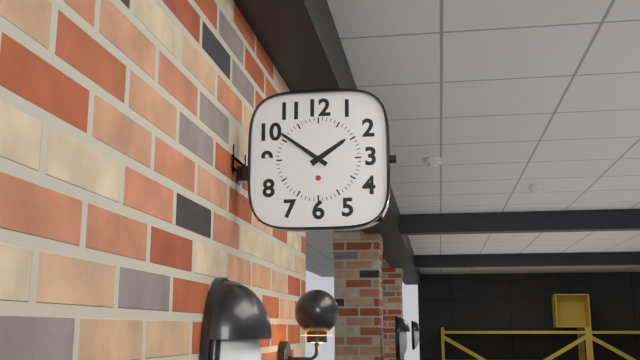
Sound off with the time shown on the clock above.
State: 1:51
